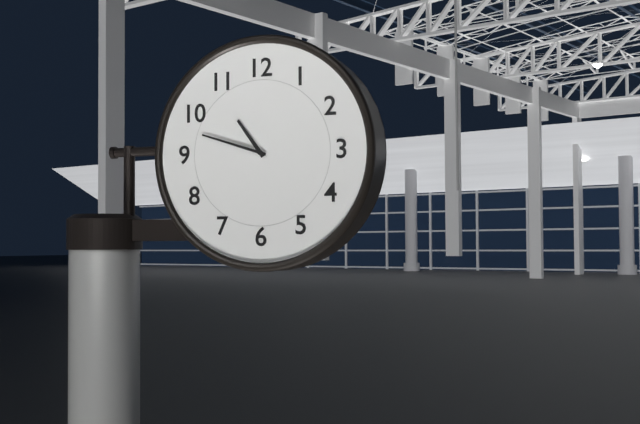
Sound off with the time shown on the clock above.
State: 10:48
